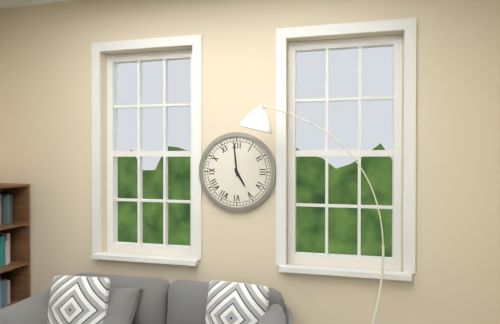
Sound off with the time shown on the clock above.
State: 4:59
